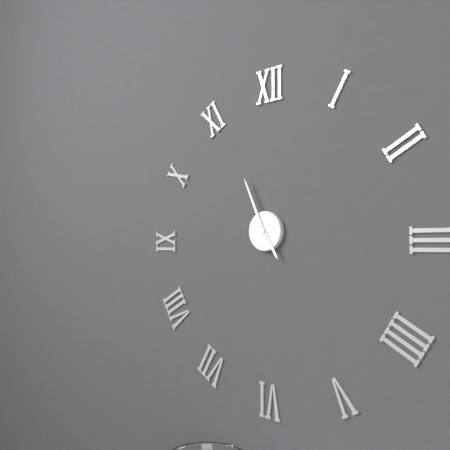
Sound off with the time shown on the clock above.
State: 4:56
